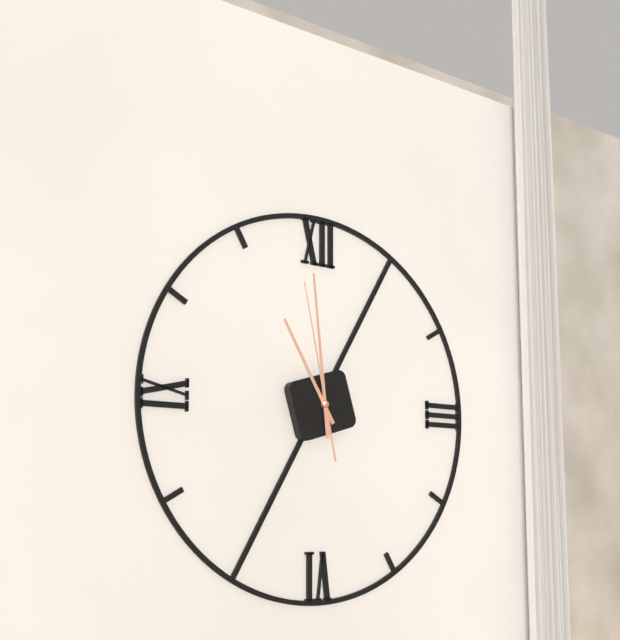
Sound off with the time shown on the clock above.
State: 10:59:58
